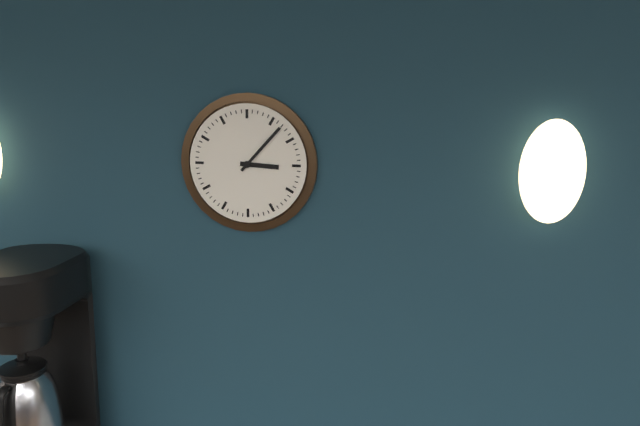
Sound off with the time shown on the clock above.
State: 3:07
